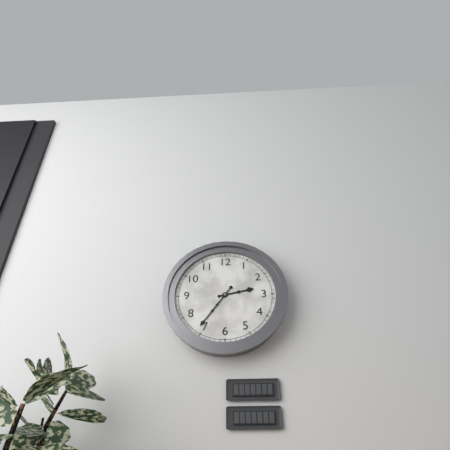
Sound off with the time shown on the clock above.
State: 2:36
